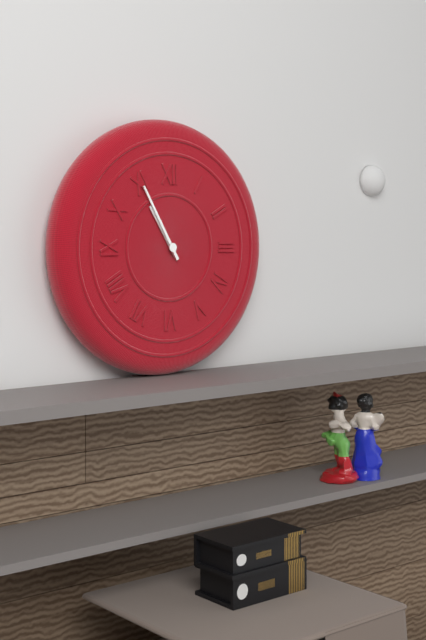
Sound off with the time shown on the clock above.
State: 10:55
